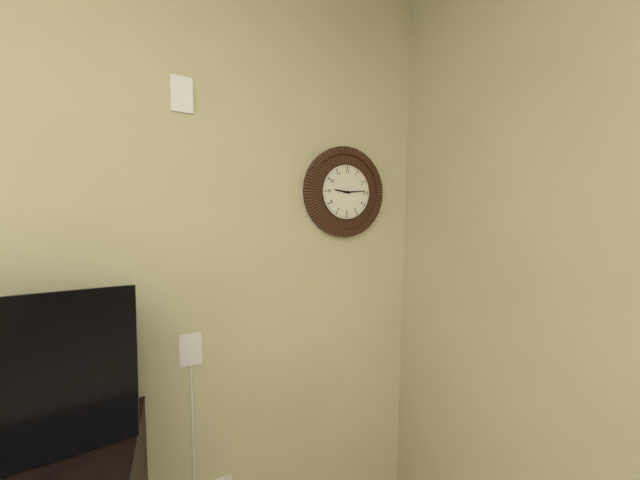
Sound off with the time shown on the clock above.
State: 9:14
